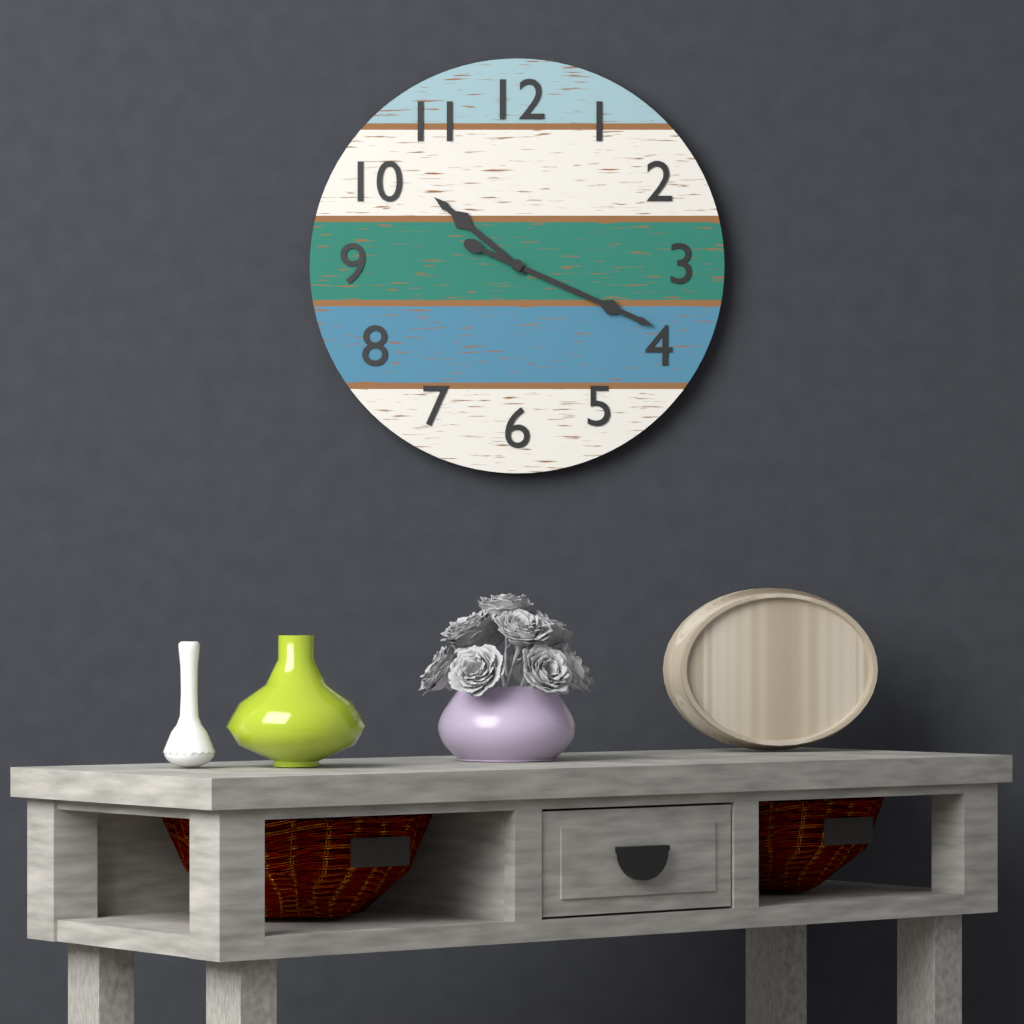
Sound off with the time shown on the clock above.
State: 10:19
